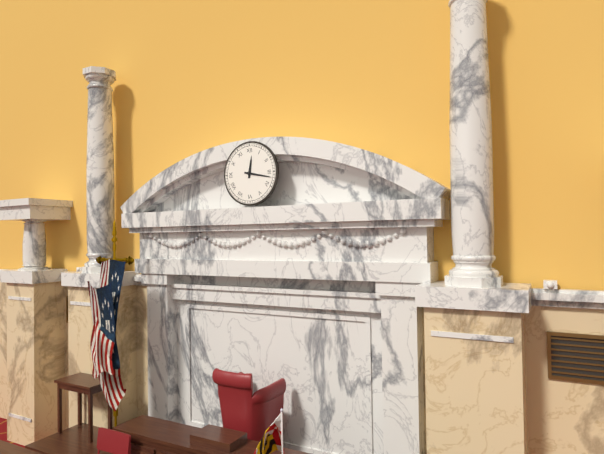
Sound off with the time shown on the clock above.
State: 12:17
